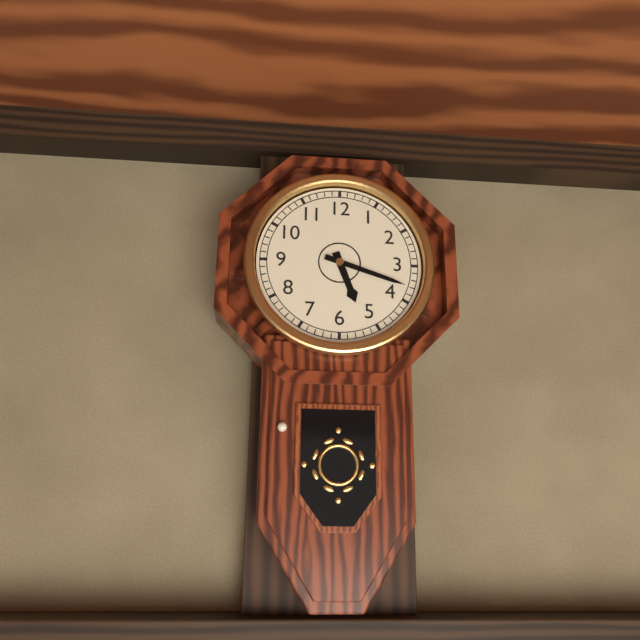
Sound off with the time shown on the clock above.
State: 5:18
